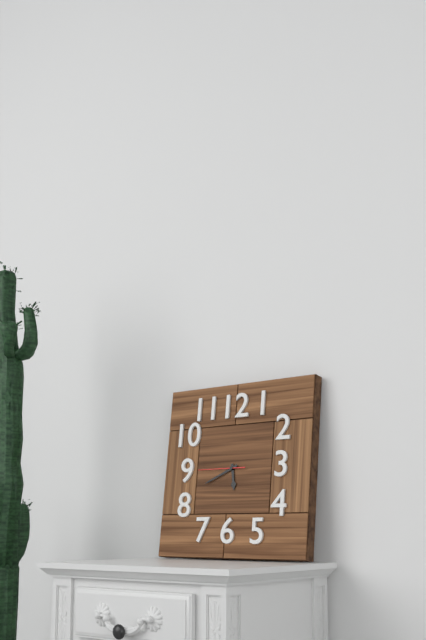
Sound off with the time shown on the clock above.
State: 5:41
